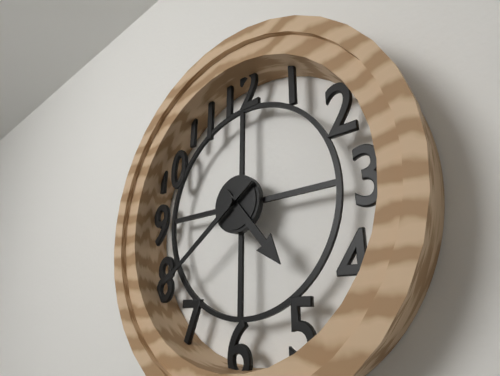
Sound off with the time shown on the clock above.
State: 4:39
